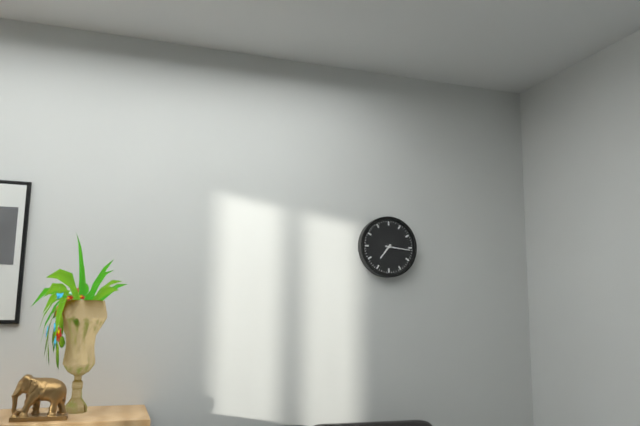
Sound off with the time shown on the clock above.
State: 7:16
